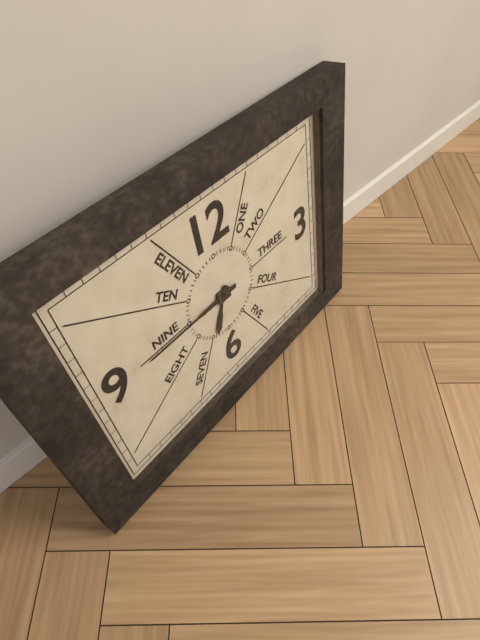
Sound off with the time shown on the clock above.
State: 6:45
